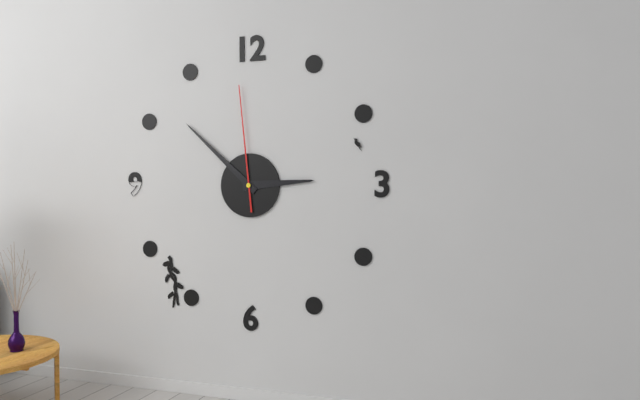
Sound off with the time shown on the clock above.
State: 2:52:59
